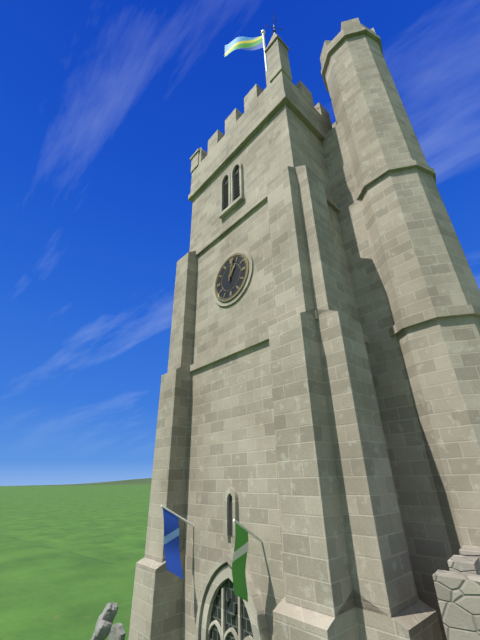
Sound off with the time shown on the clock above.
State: 1:02
